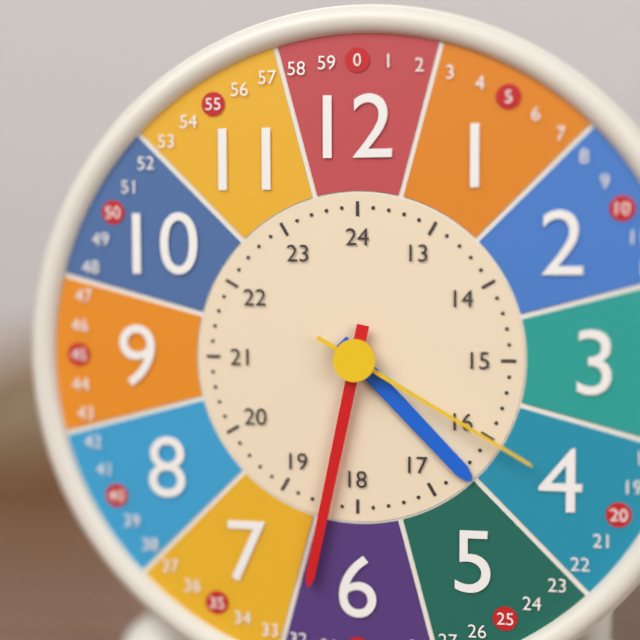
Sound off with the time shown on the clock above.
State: 4:32:20
